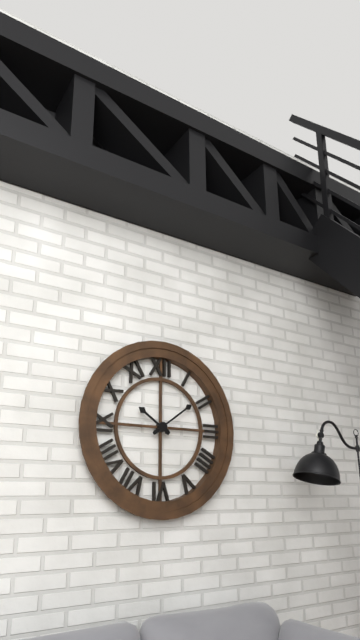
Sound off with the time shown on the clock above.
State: 10:09
